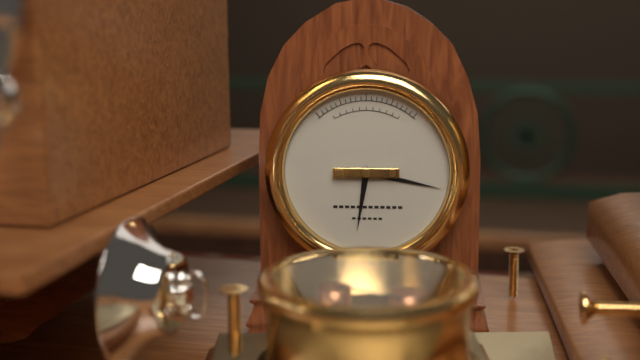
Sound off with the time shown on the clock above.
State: 6:17
